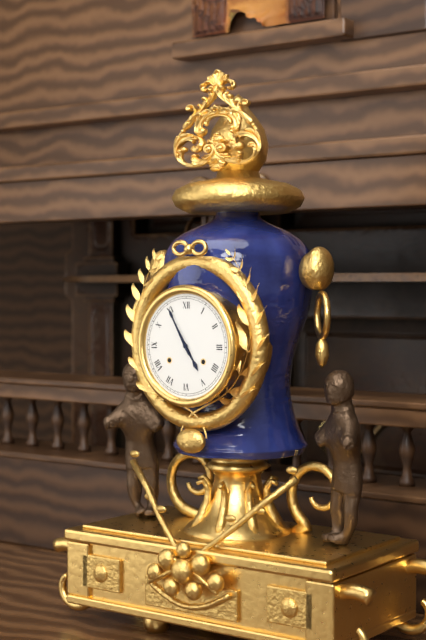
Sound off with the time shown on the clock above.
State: 4:55
